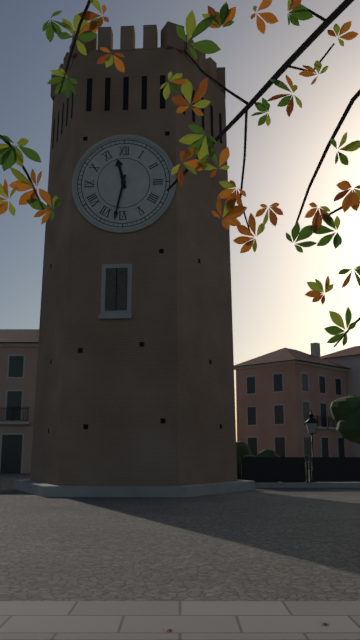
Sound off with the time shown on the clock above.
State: 11:32
